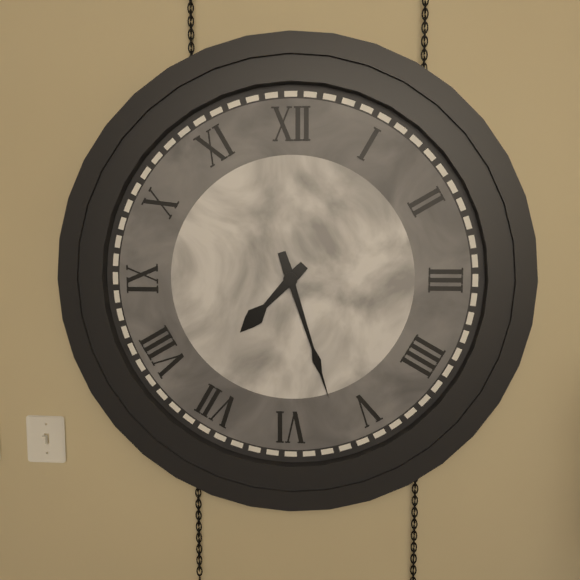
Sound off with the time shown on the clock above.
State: 7:27
